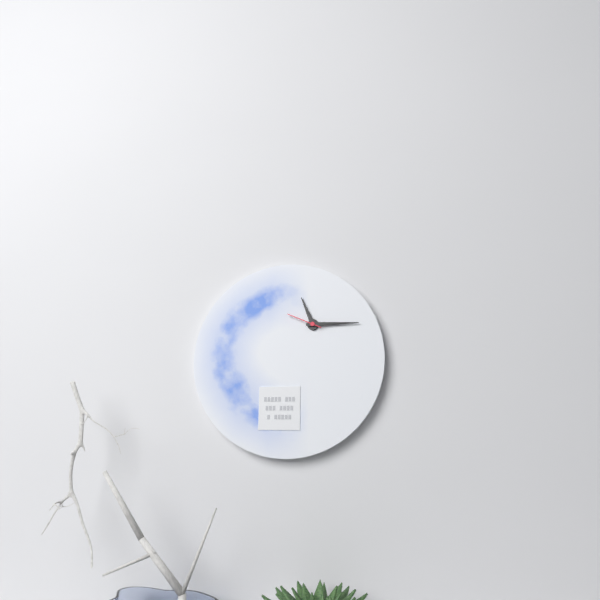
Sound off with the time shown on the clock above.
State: 11:15
